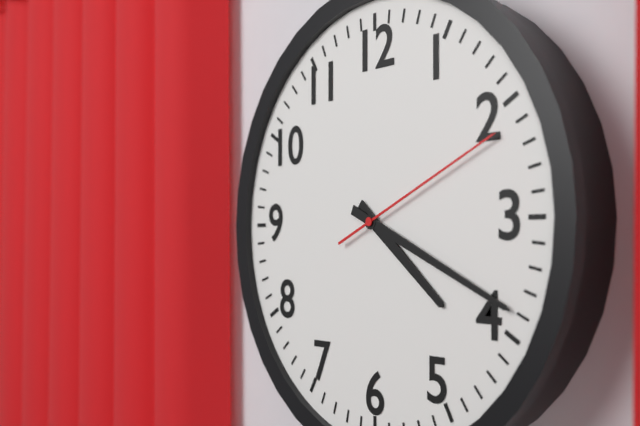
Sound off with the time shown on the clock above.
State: 4:19:11
